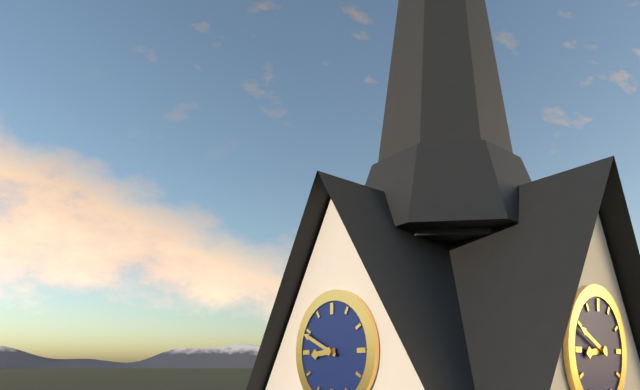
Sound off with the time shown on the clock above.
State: 8:49
